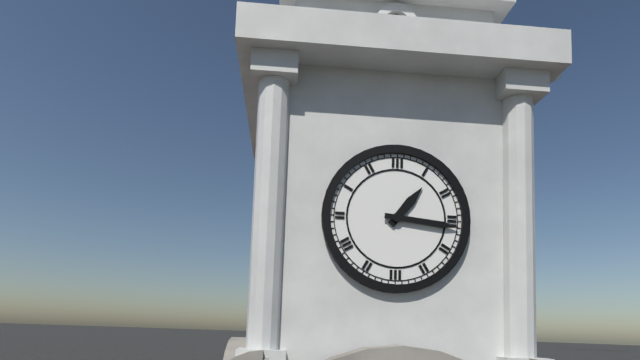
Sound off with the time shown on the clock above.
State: 1:16
